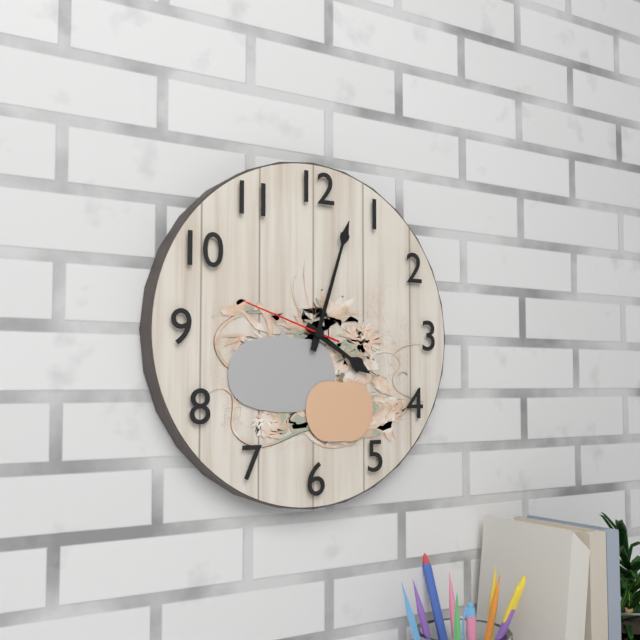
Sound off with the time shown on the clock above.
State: 4:03:48
